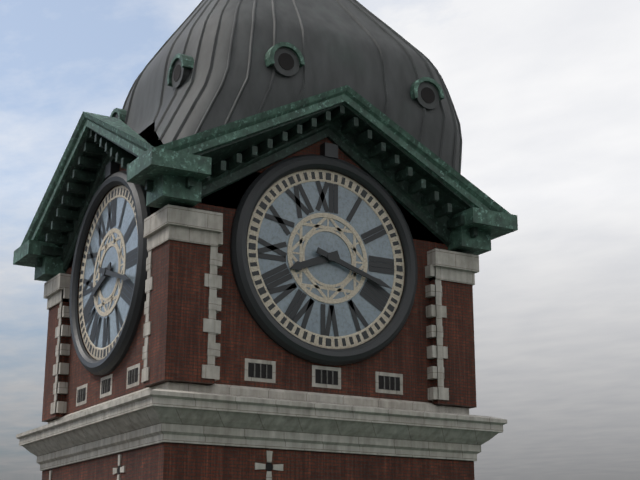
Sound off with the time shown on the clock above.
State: 8:18
